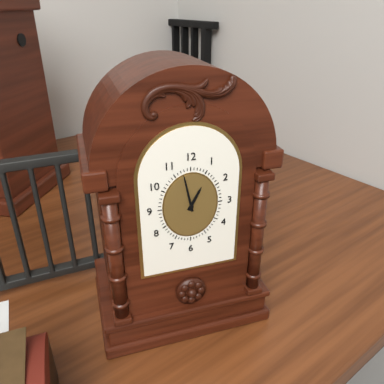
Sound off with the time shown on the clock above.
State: 12:58
